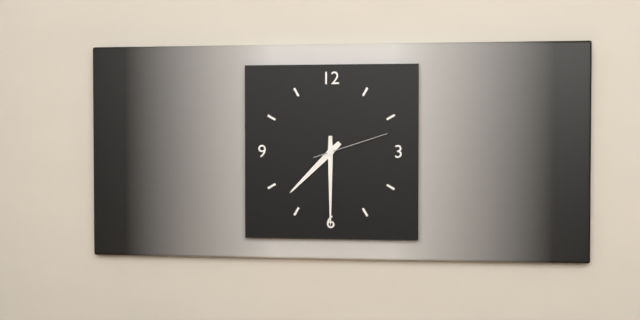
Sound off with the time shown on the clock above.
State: 7:30:12
